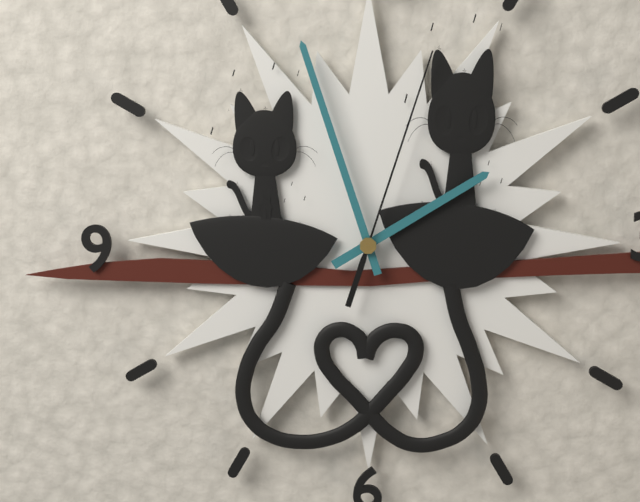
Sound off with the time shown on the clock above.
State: 1:57:03
